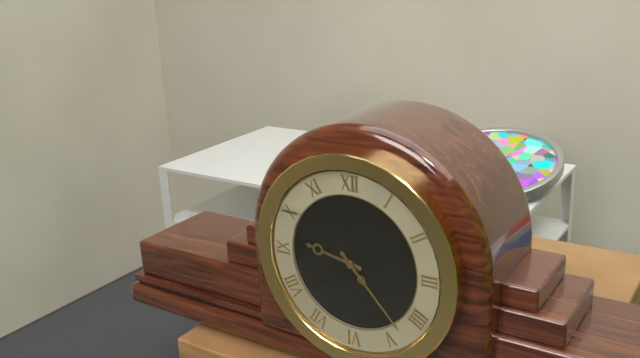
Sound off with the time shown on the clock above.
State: 9:23
